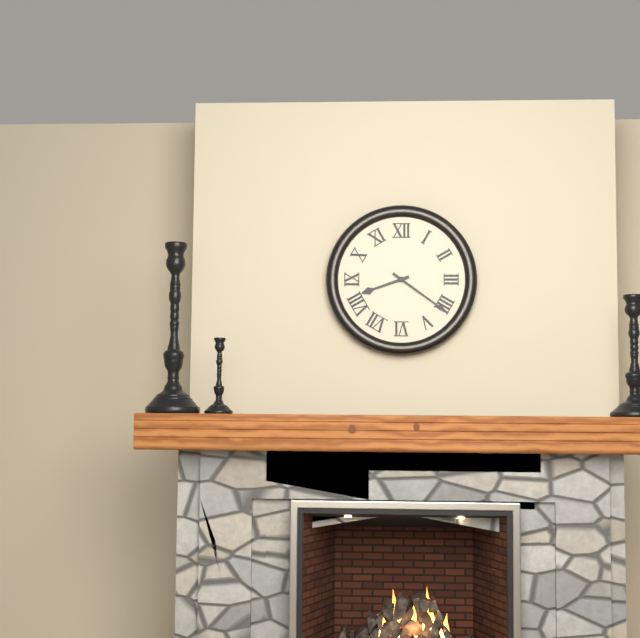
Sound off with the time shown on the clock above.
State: 8:21
